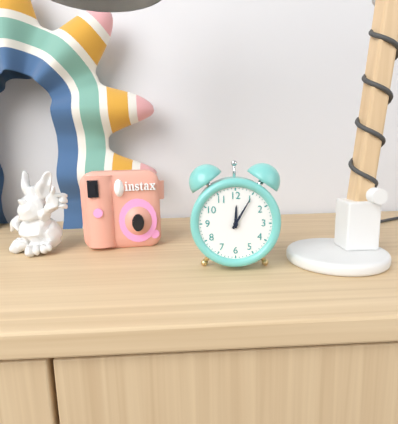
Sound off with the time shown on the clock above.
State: 12:05
